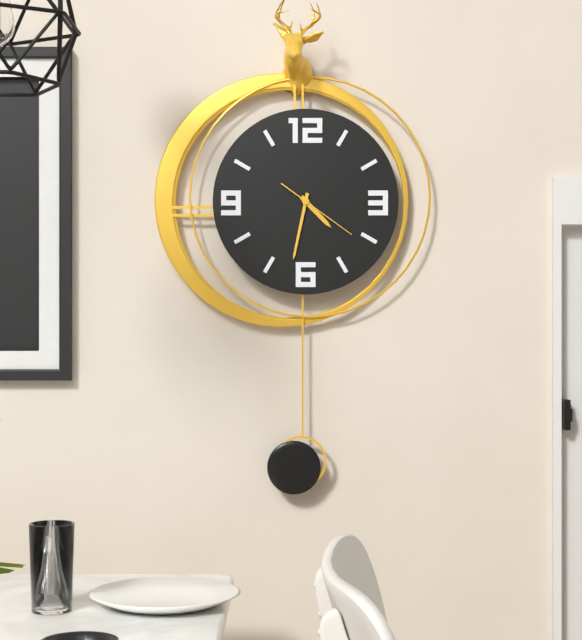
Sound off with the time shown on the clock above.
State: 4:32:21
